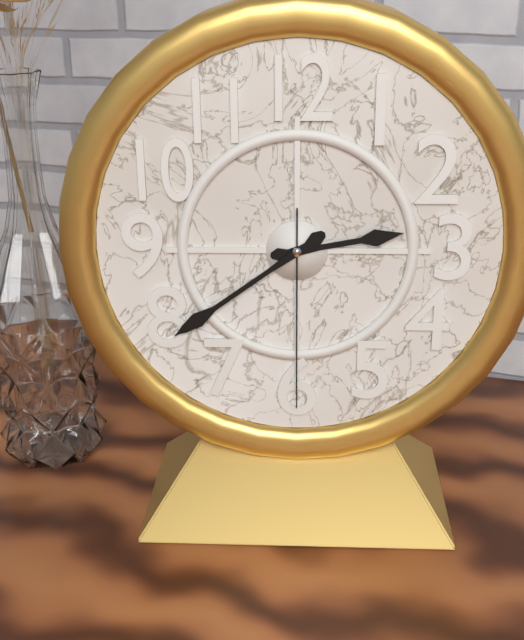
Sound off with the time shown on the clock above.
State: 2:39:30
